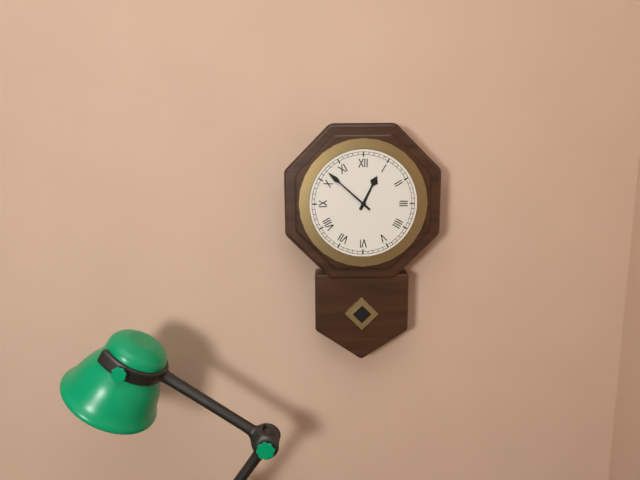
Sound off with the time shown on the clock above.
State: 12:52
